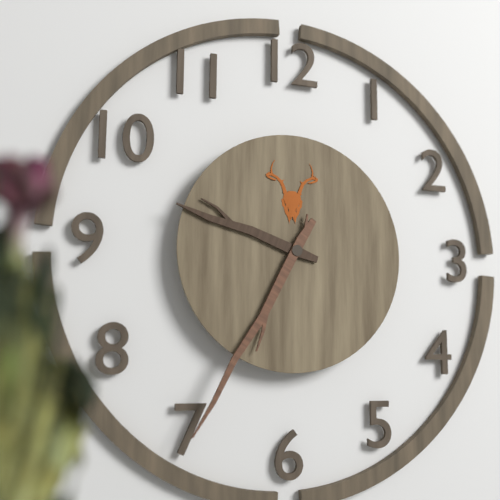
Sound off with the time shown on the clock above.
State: 9:35
